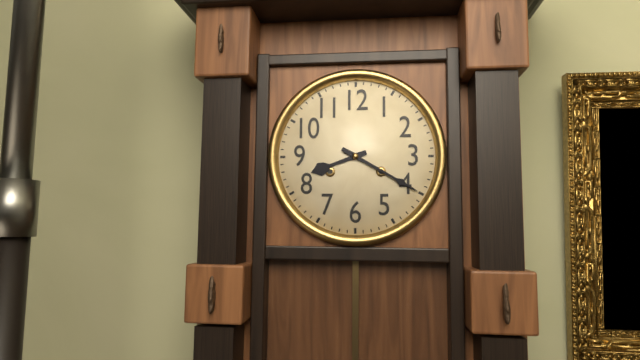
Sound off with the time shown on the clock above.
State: 8:20
